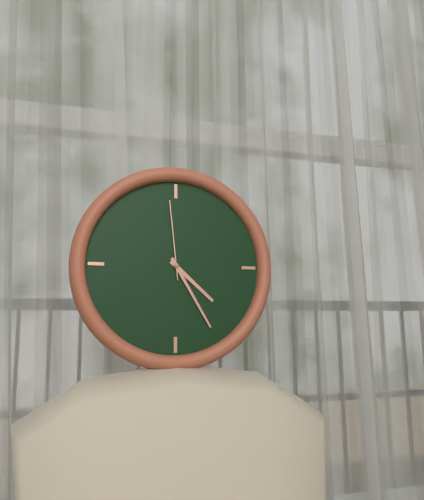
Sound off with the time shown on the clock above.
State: 4:25:59
